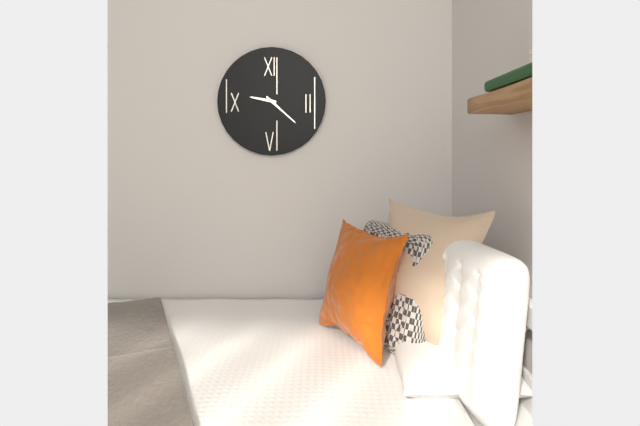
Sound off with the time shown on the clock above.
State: 9:22
